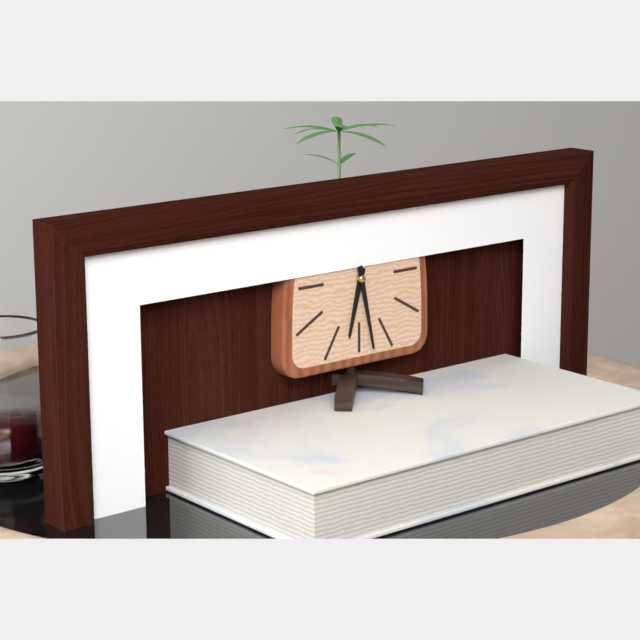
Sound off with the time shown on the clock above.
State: 6:28
